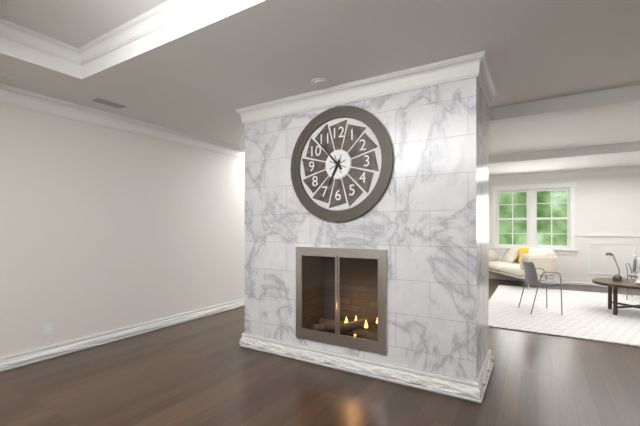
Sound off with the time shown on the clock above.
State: 6:53
